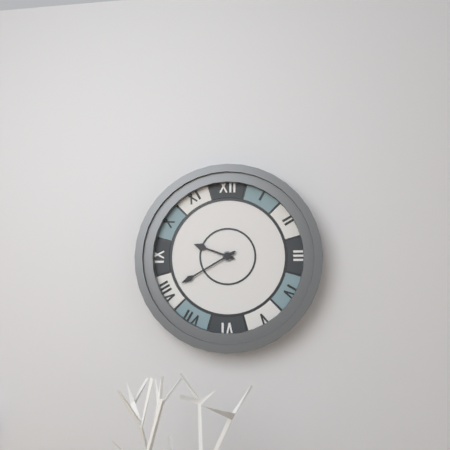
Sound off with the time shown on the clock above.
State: 9:40
